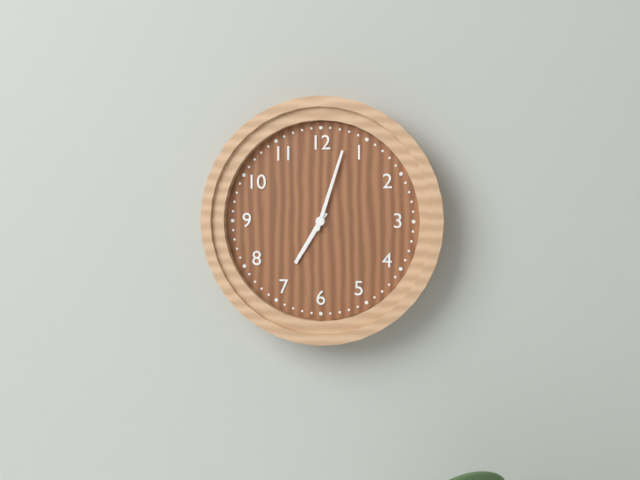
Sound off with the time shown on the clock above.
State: 7:03
